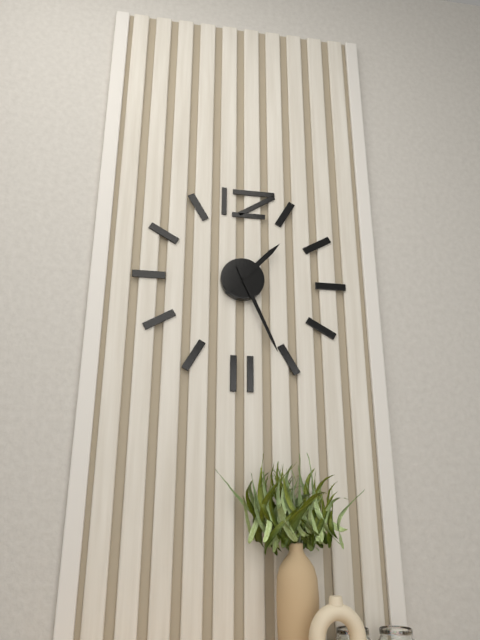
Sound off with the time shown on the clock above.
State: 1:26
